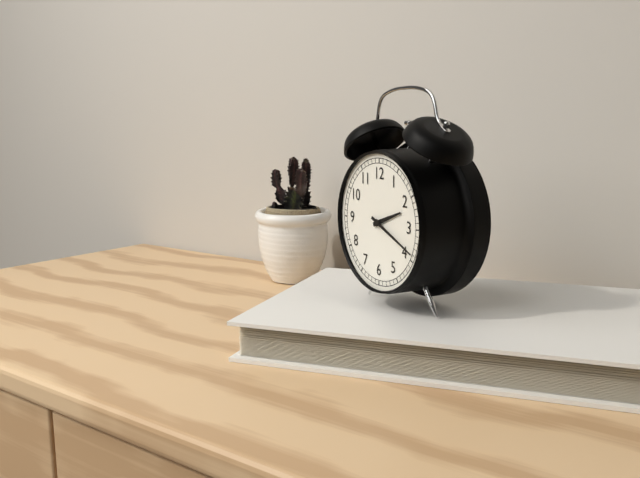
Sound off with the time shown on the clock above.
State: 2:19
